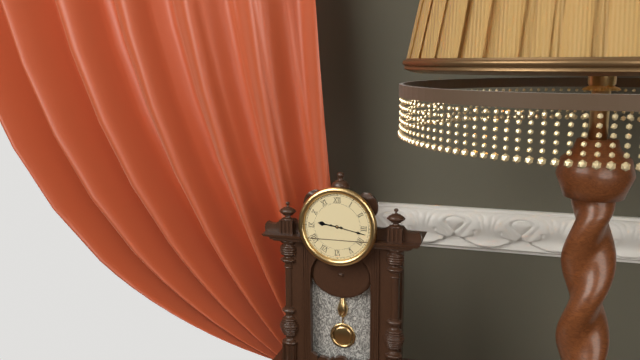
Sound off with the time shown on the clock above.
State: 9:17
